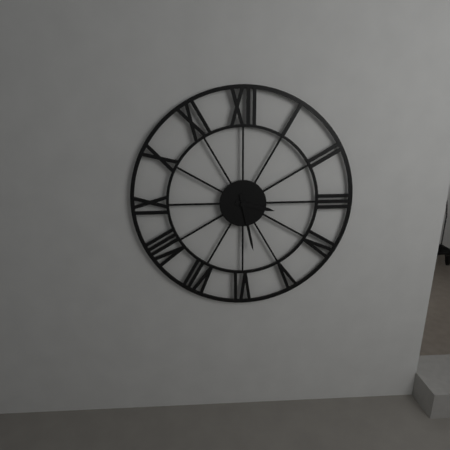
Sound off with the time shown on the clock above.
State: 3:28
